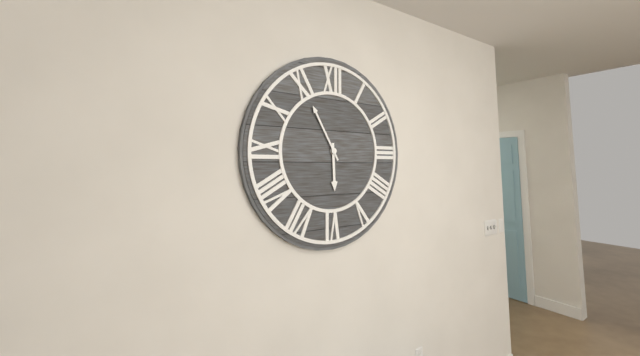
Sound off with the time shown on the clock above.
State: 5:55
